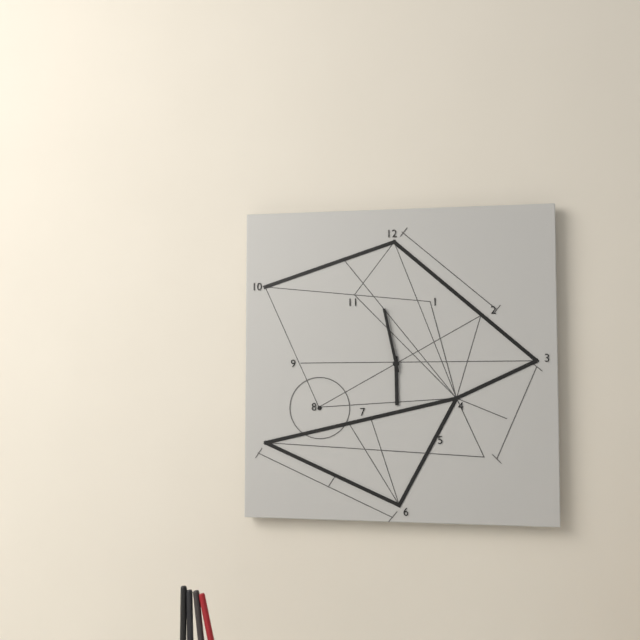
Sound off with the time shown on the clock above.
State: 5:58
